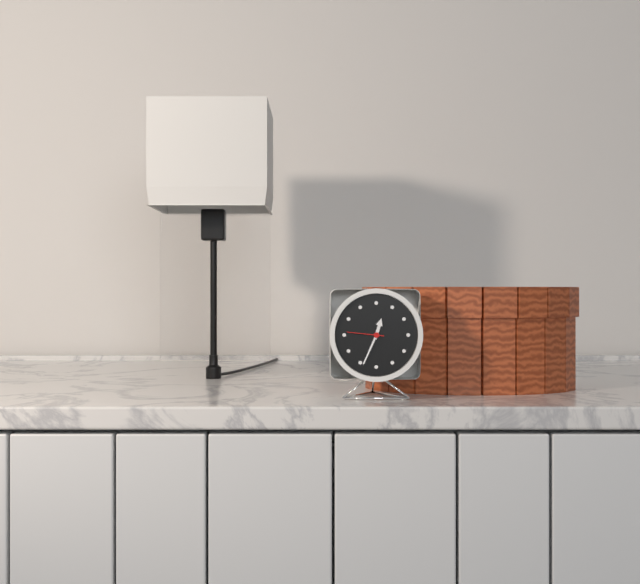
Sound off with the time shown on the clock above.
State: 12:34
